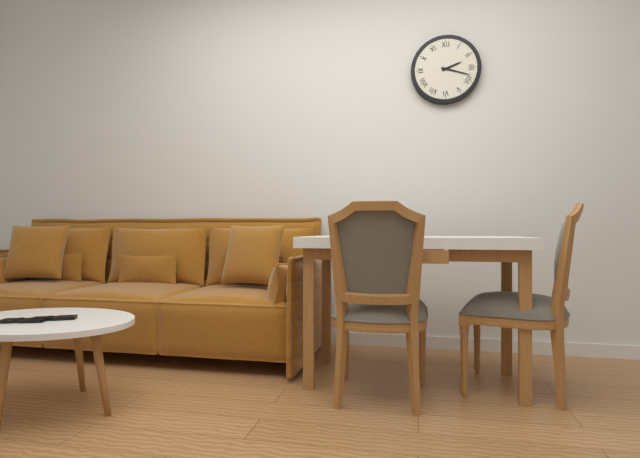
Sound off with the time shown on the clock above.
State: 2:18
